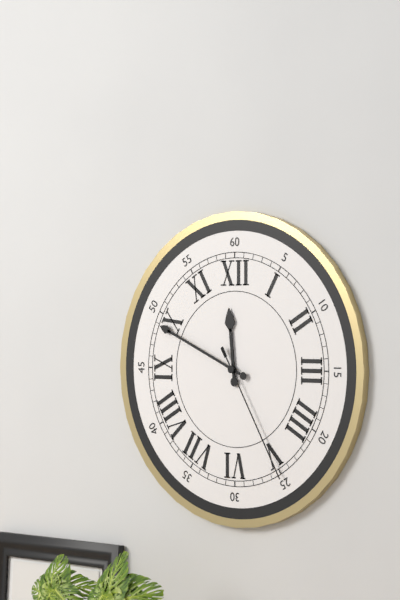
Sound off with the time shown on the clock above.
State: 11:49:25
